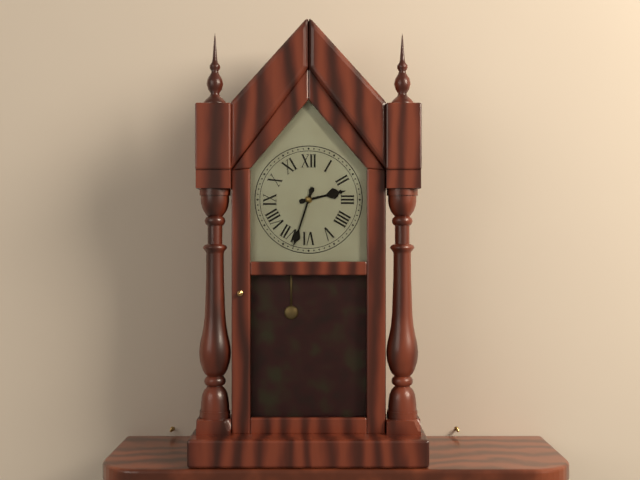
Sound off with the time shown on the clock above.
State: 2:33
